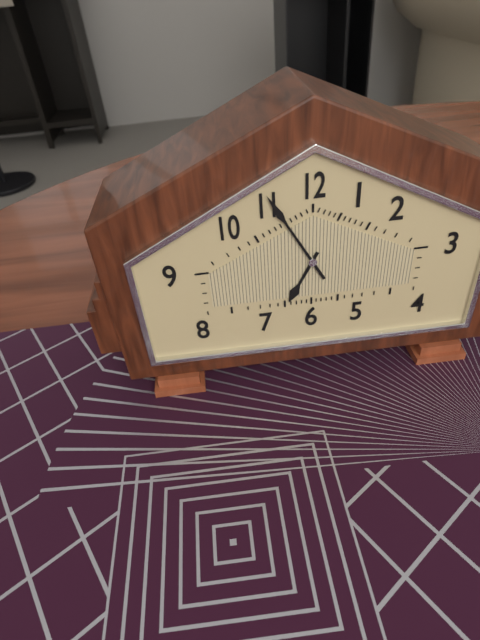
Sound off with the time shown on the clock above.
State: 6:55
